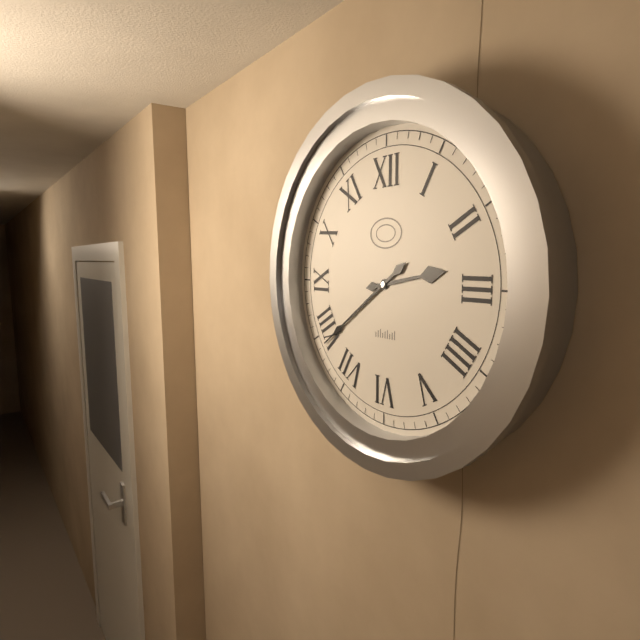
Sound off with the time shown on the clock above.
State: 2:39
